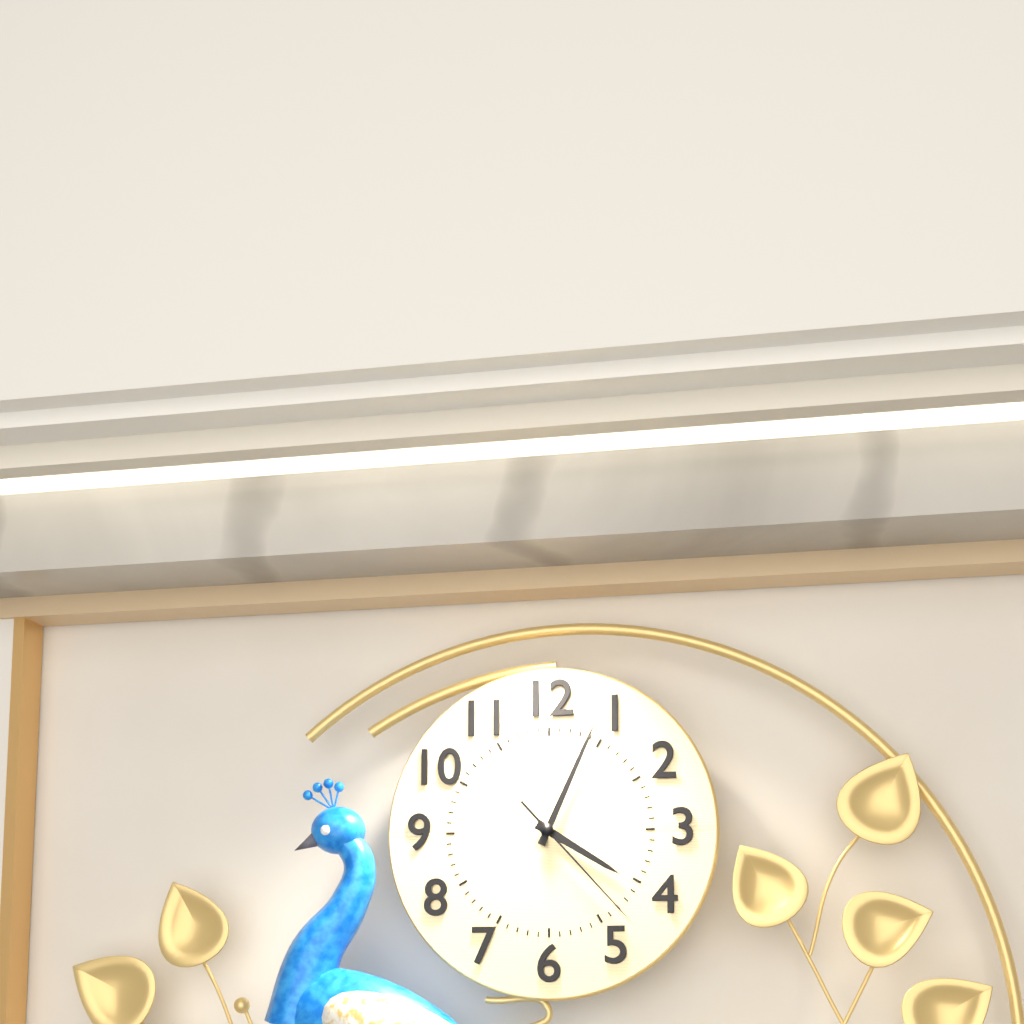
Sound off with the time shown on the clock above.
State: 4:04:23
